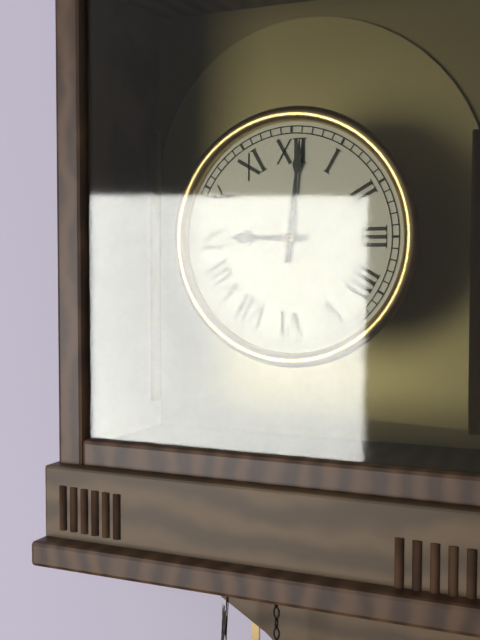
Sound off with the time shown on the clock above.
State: 9:01
